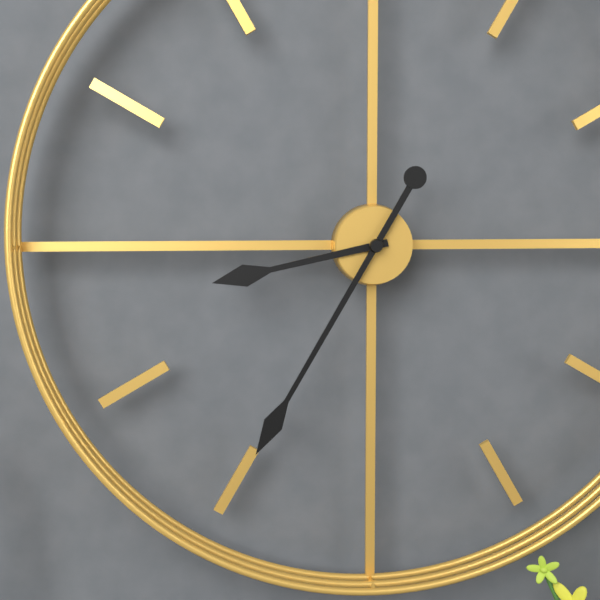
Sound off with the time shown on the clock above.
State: 8:35
